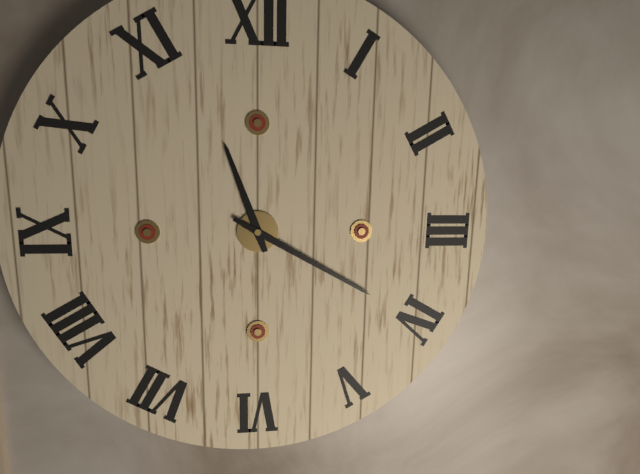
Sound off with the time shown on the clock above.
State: 11:20
